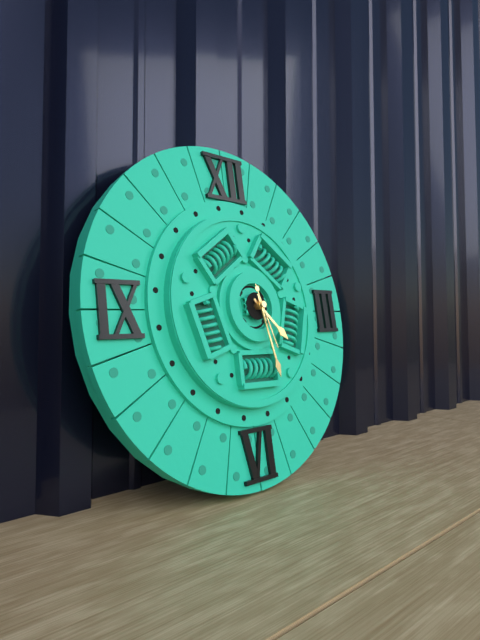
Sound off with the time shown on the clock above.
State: 4:28:27
